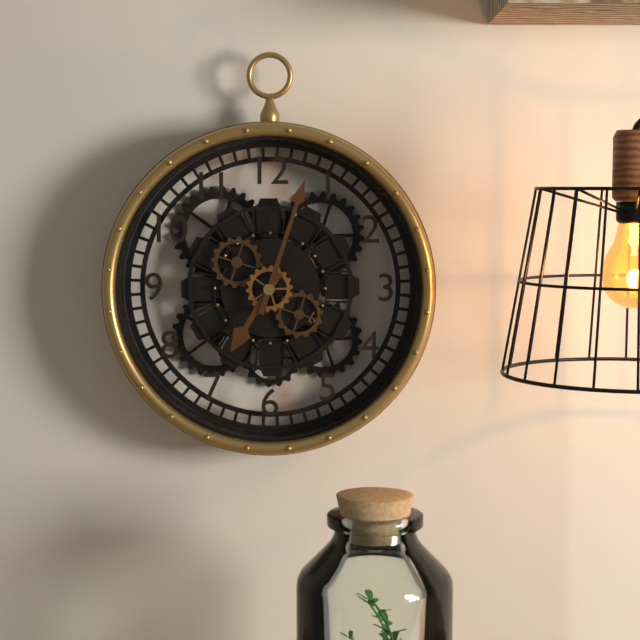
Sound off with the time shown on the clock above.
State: 7:03
